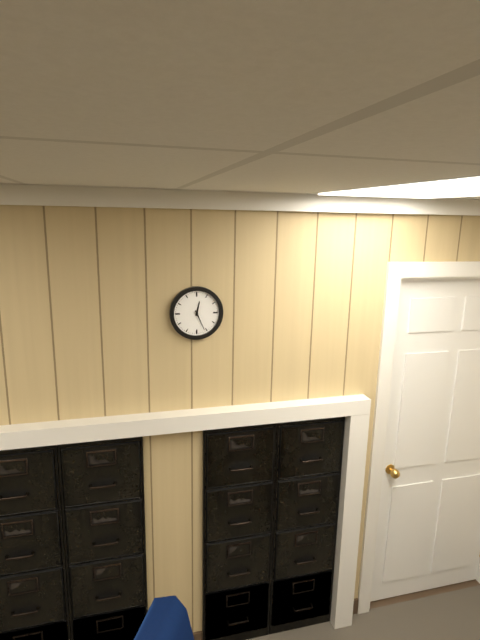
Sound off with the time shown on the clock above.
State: 12:26
